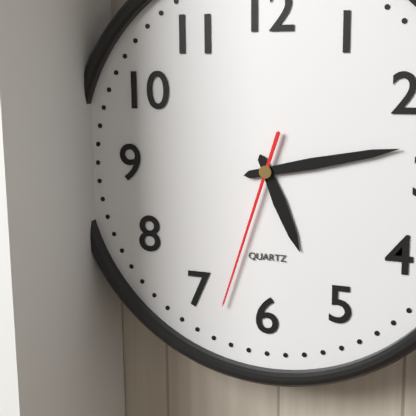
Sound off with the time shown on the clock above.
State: 5:13:33
